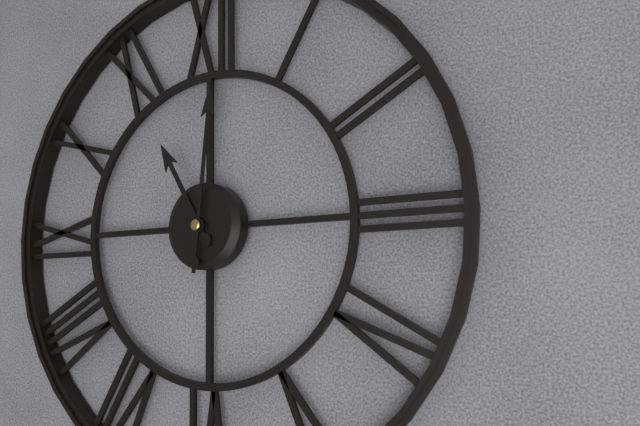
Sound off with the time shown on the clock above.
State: 11:01
